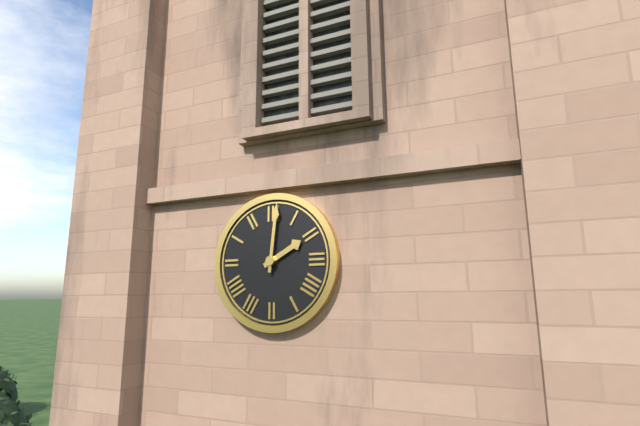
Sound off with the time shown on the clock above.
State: 2:01
